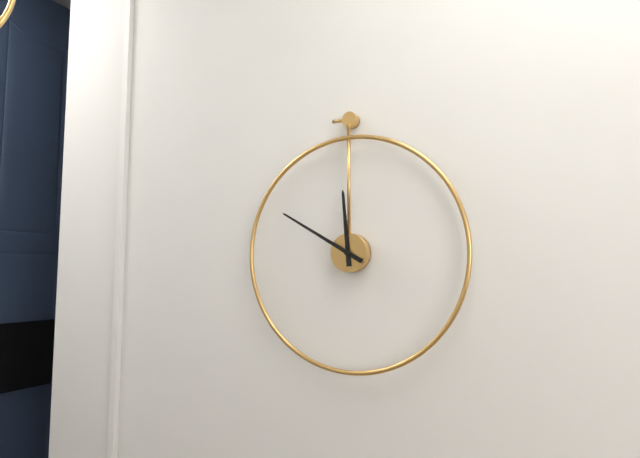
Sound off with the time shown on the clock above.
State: 11:50
